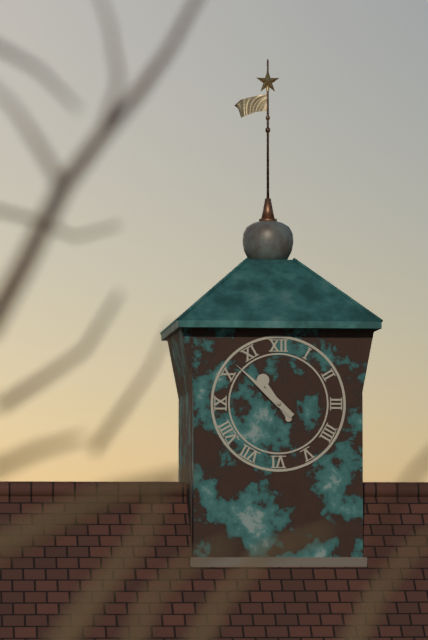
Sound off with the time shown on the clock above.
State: 10:52
